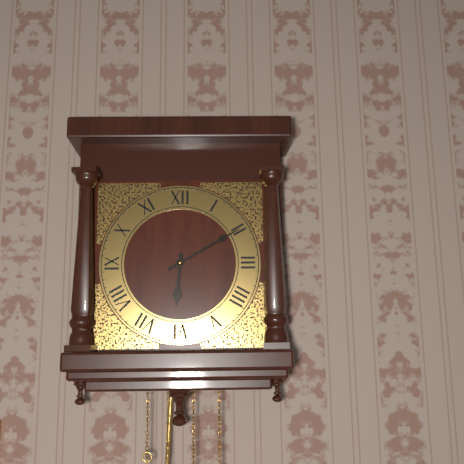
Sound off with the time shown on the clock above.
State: 6:10
